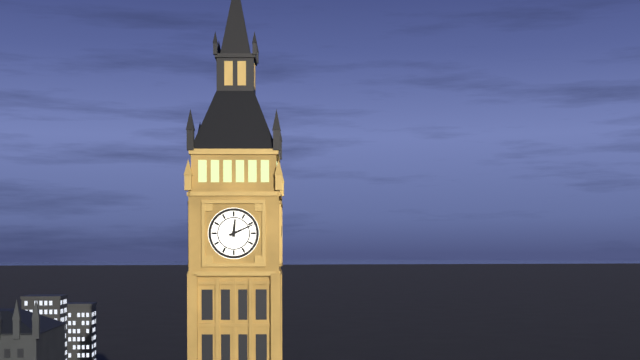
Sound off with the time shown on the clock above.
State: 12:11
